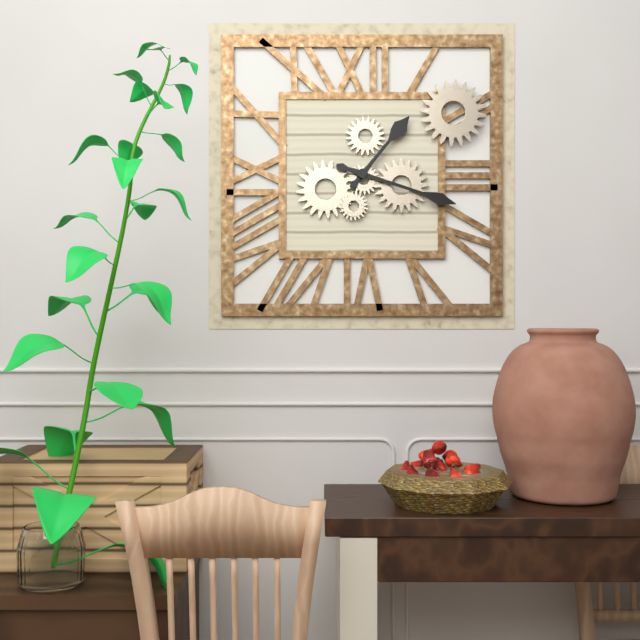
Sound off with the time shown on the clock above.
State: 1:18
